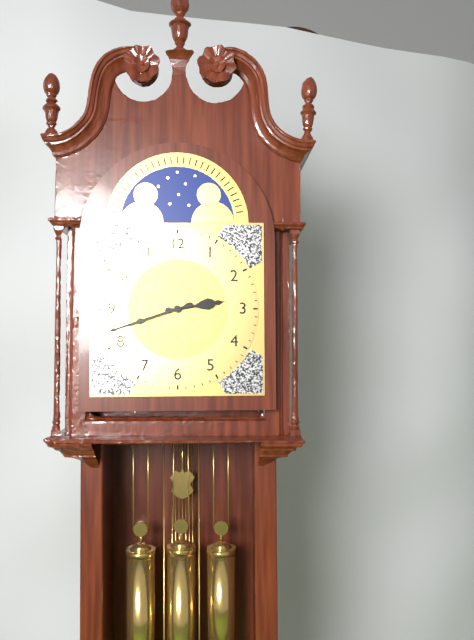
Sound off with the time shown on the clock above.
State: 2:42
